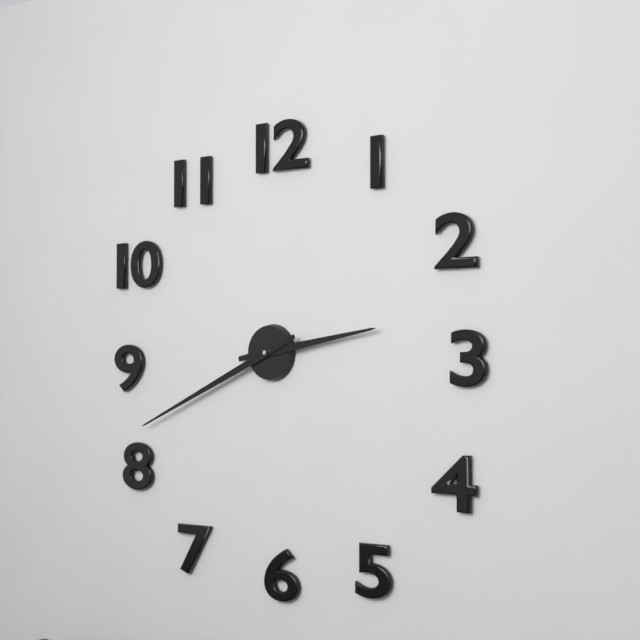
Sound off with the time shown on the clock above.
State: 2:41
